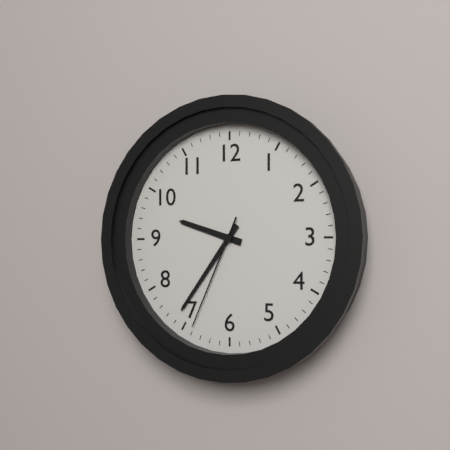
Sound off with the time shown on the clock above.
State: 9:36:34
